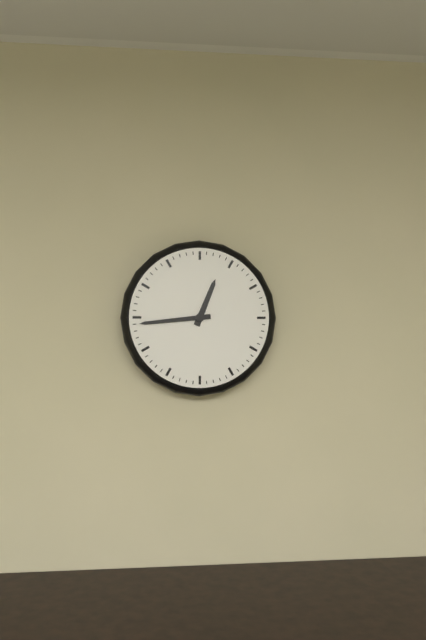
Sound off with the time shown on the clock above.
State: 12:44
